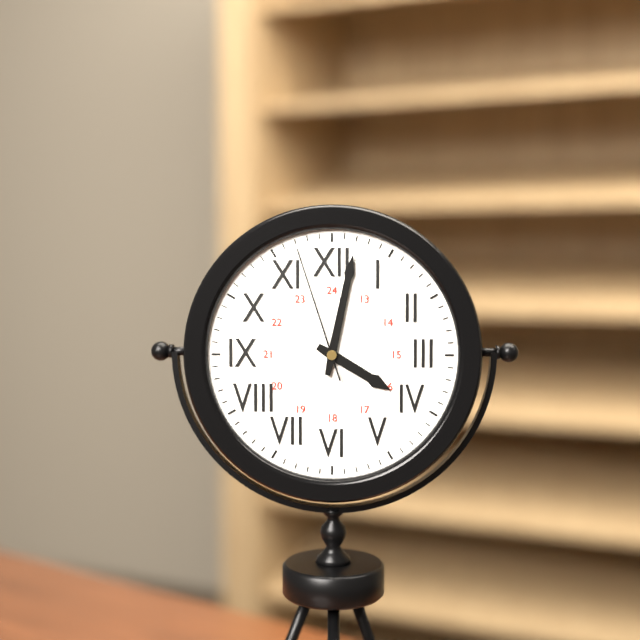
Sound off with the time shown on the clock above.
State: 4:02:57
